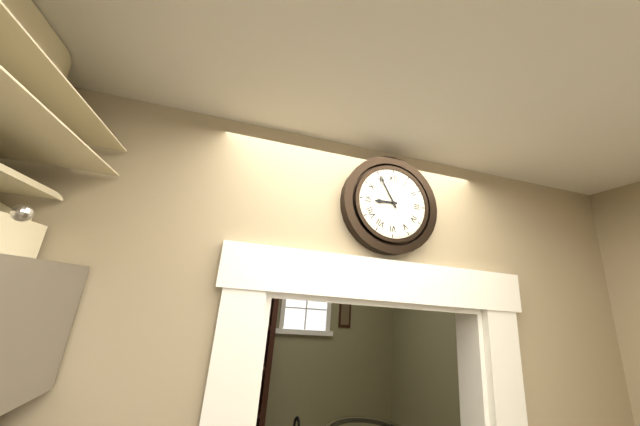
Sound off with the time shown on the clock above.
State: 8:55
